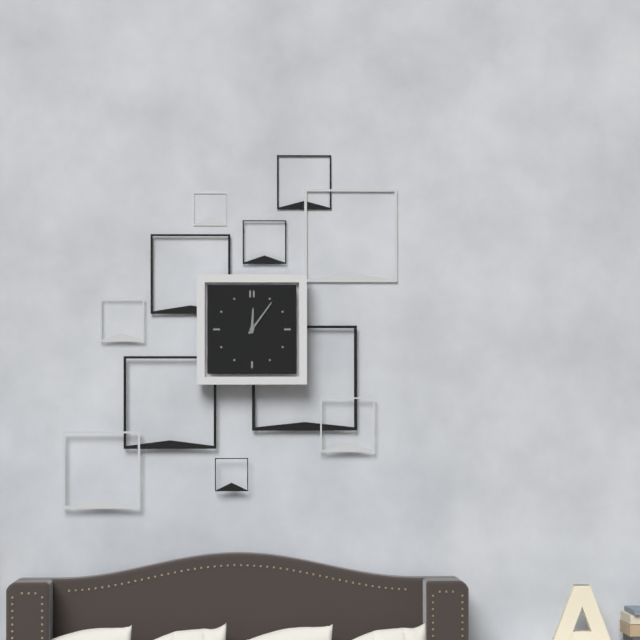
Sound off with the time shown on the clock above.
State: 12:06
